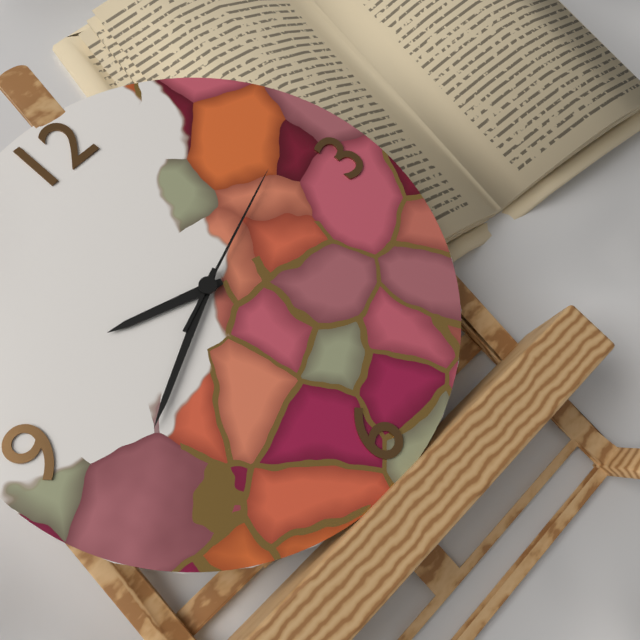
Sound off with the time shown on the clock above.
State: 9:41:12
